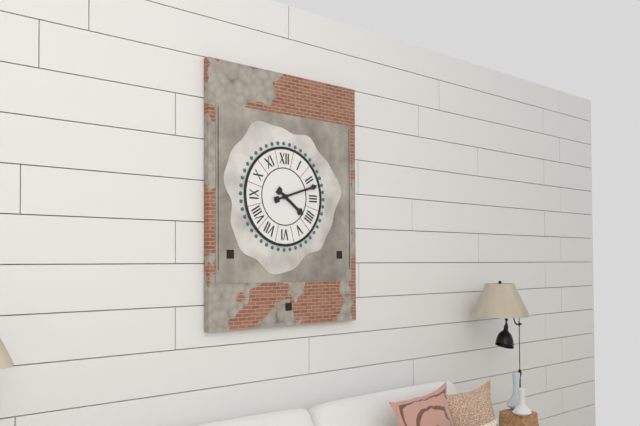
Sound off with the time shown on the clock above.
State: 4:12
